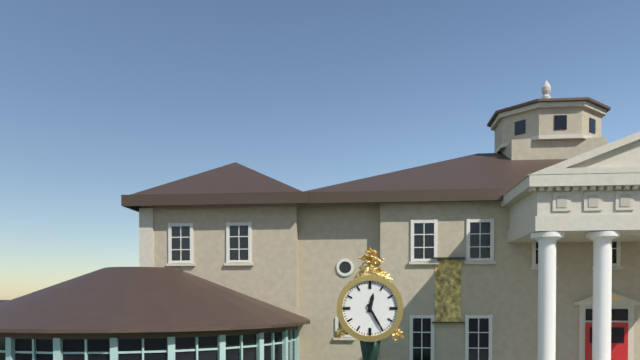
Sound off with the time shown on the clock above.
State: 12:25
